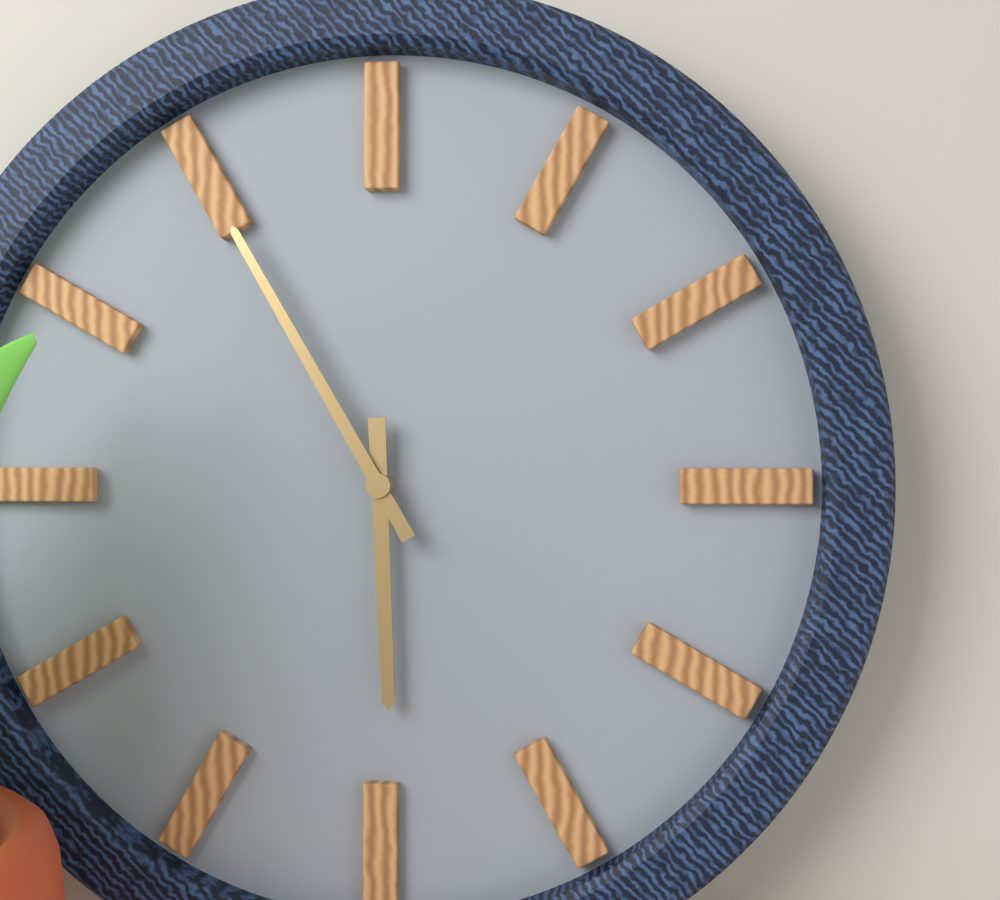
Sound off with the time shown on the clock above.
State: 5:55
